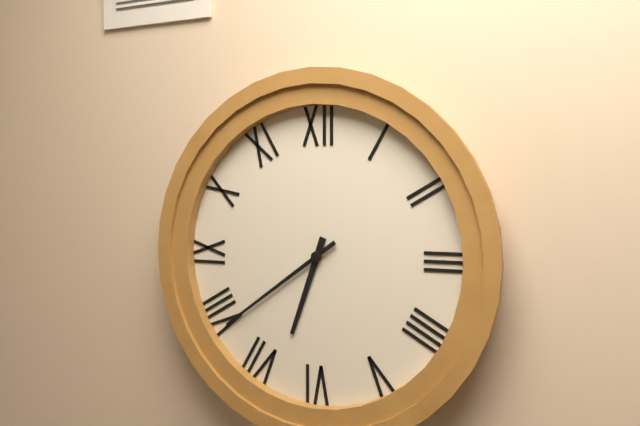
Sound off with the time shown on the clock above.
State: 6:39
